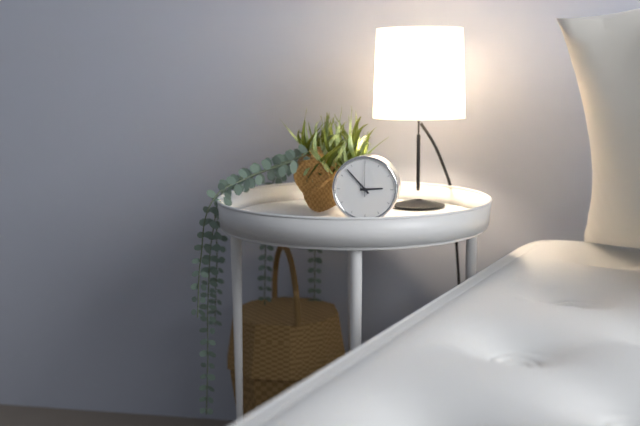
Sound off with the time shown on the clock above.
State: 2:53
